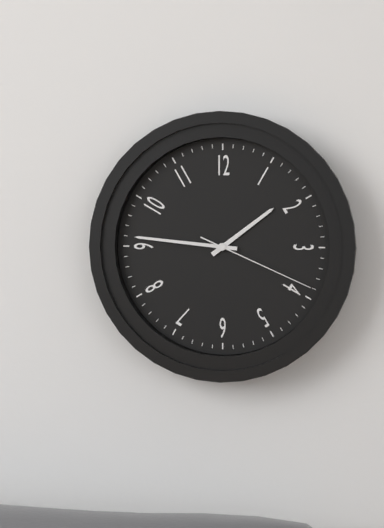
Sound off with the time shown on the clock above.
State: 1:46:19
